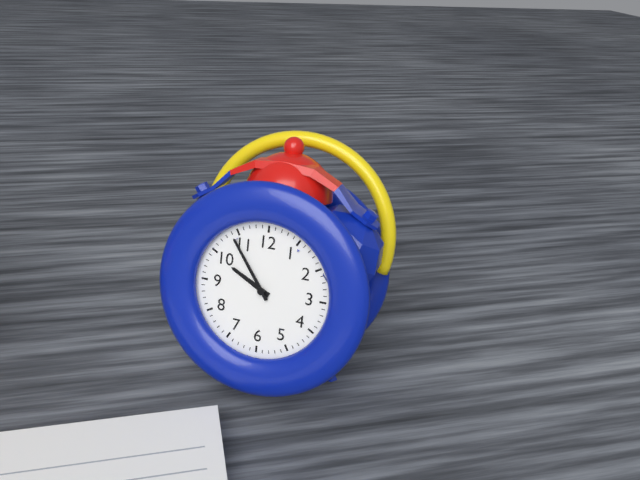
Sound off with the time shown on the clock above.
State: 9:54
